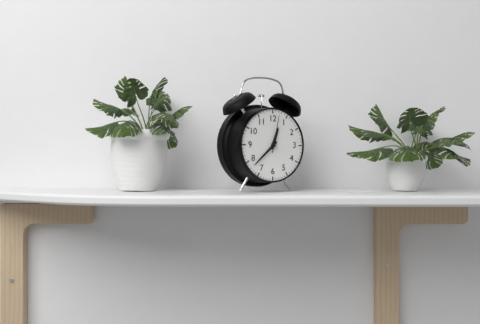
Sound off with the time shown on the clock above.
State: 12:38
